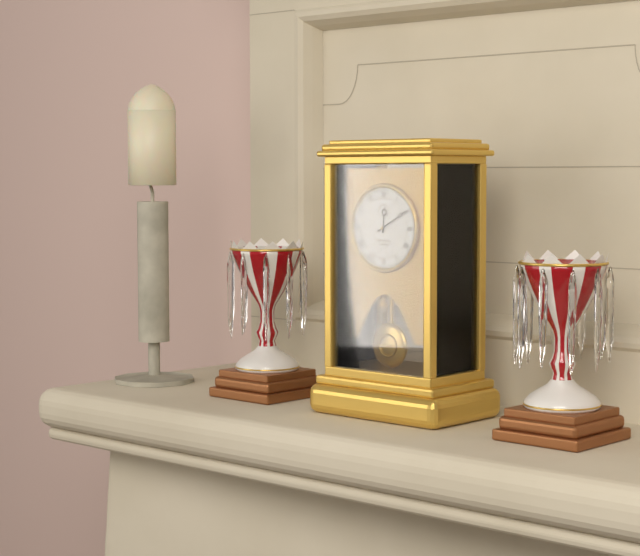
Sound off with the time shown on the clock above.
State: 12:10
